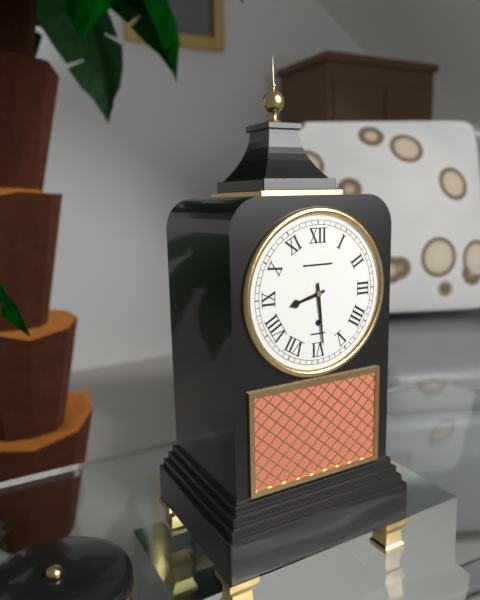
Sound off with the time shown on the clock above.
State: 8:29
